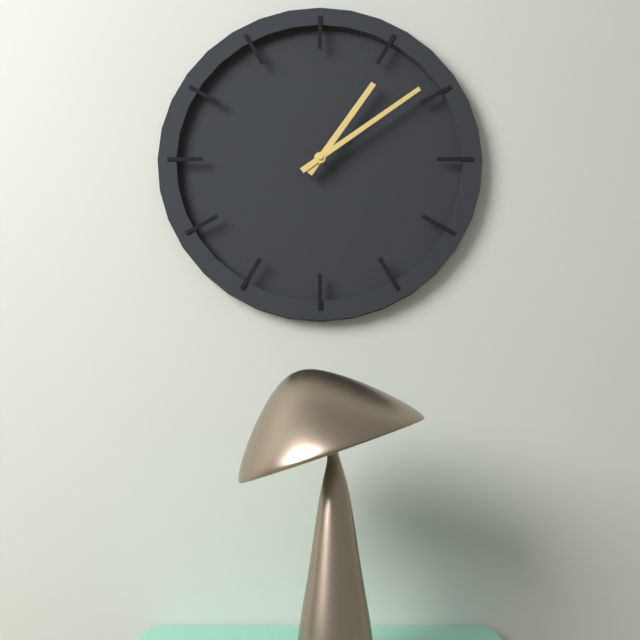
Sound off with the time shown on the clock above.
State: 1:09
